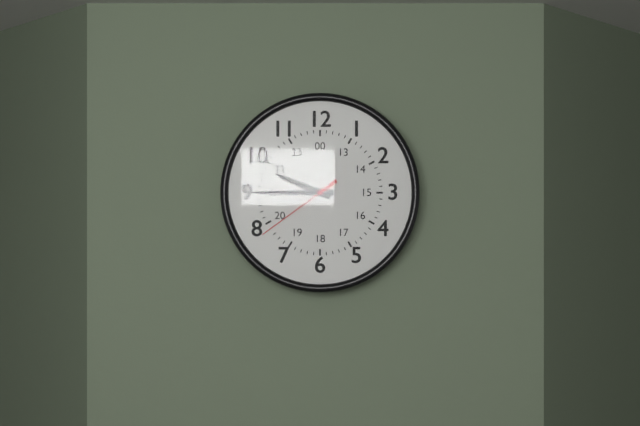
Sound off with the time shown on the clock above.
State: 9:45:39
